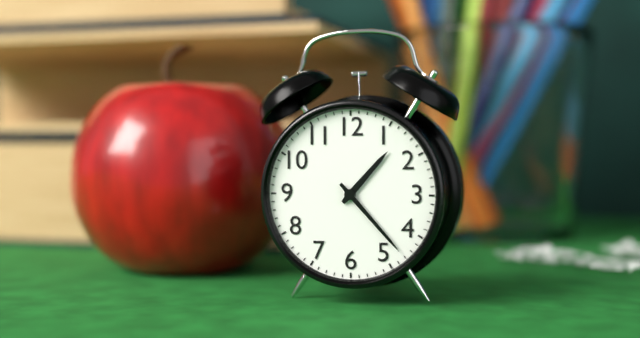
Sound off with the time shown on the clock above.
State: 1:23
